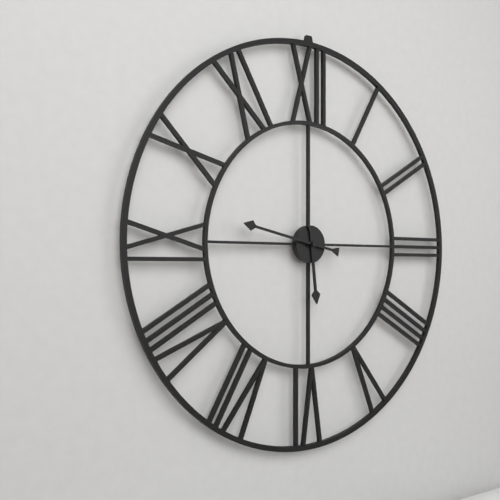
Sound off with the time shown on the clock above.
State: 5:47
